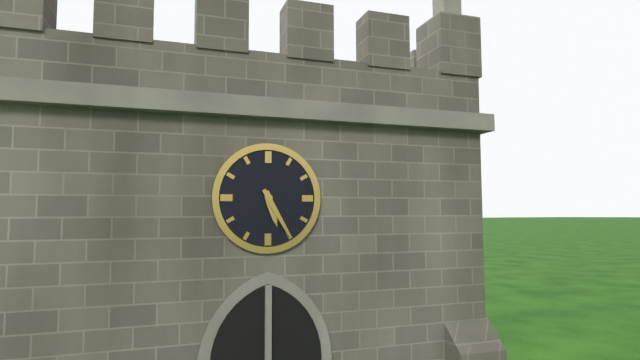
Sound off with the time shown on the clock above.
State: 5:25
